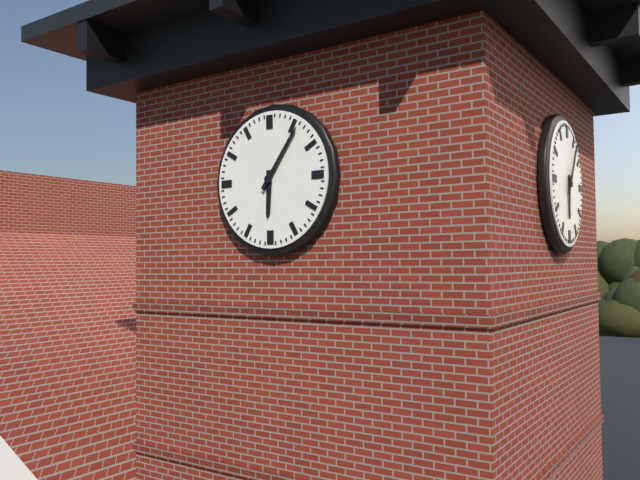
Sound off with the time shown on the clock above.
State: 6:06
